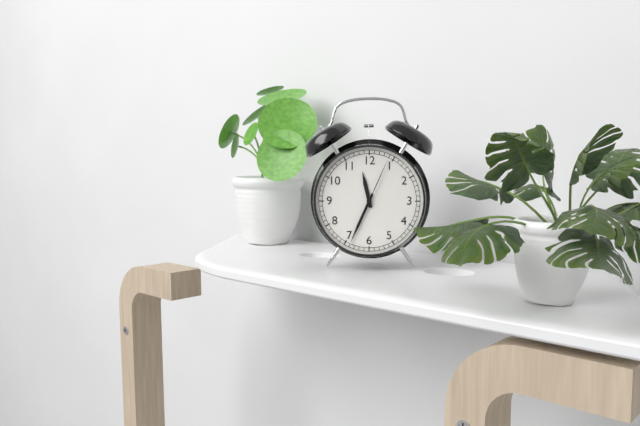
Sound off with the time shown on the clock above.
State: 11:34:04
